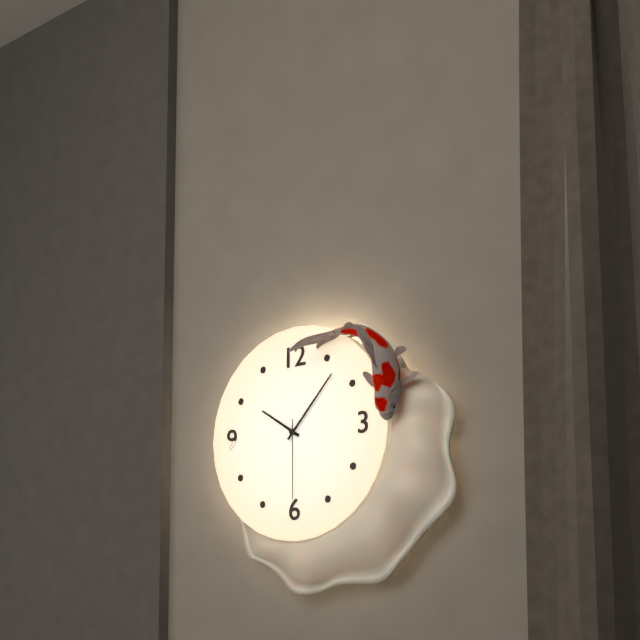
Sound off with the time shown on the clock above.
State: 10:07:30
